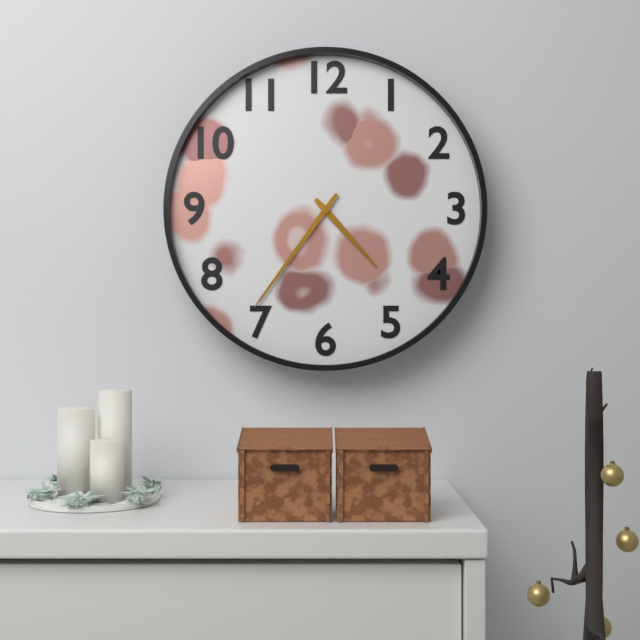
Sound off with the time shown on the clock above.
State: 4:36
